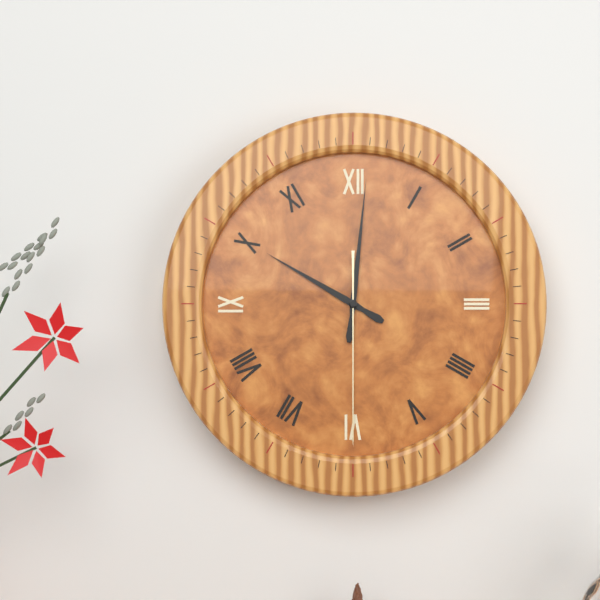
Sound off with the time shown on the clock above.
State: 10:01:30
